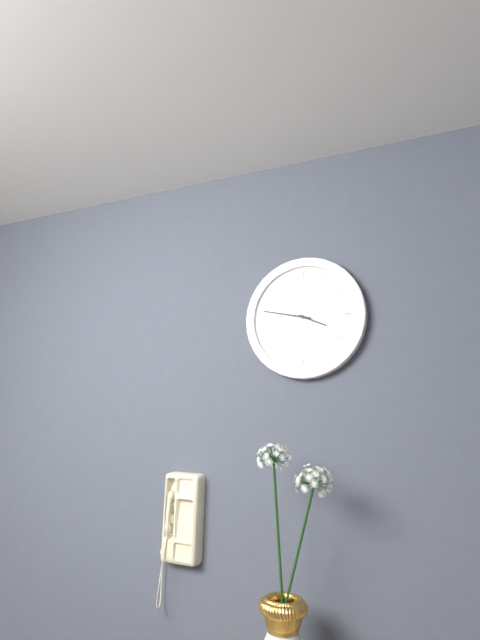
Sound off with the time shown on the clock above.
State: 3:47
